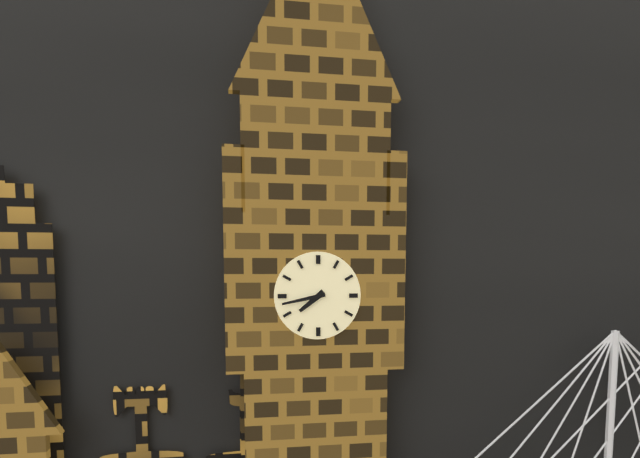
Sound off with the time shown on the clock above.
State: 7:43
